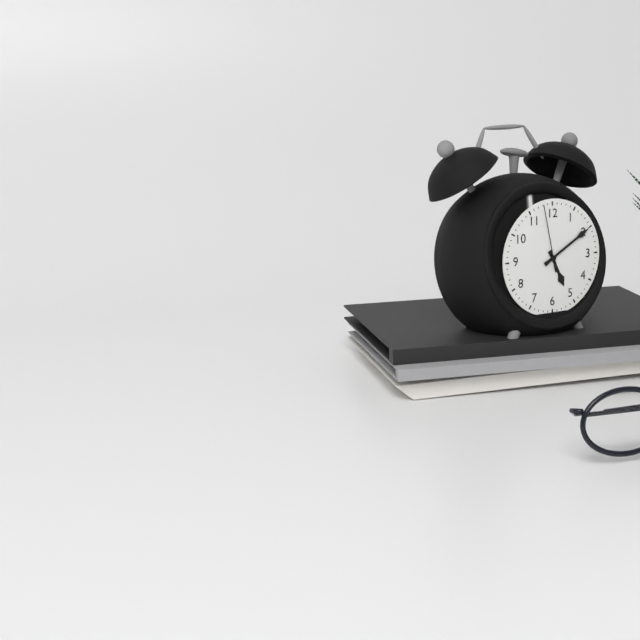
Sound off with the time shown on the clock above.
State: 5:10:58
